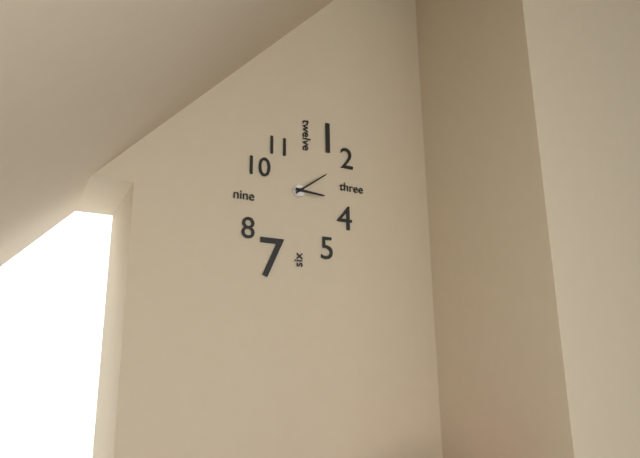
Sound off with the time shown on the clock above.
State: 3:09
